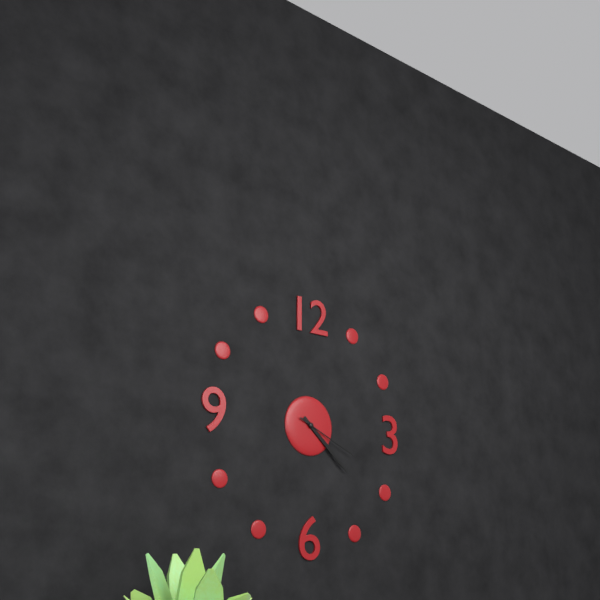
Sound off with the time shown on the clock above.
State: 4:22:19
